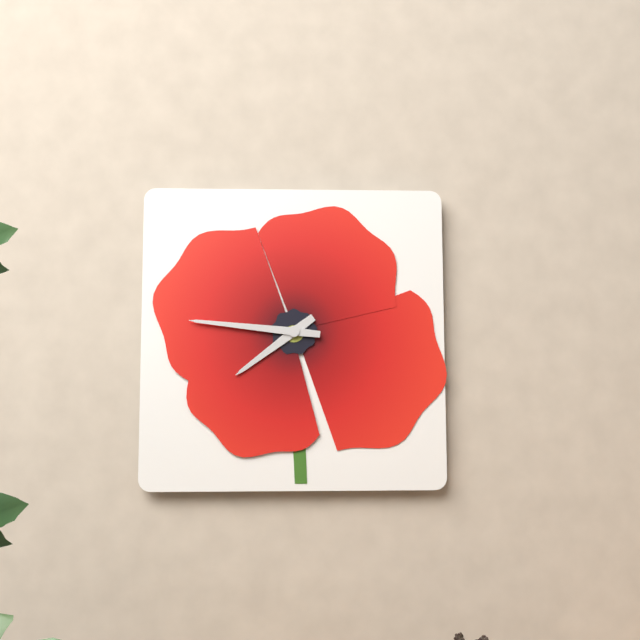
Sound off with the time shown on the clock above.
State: 7:46
